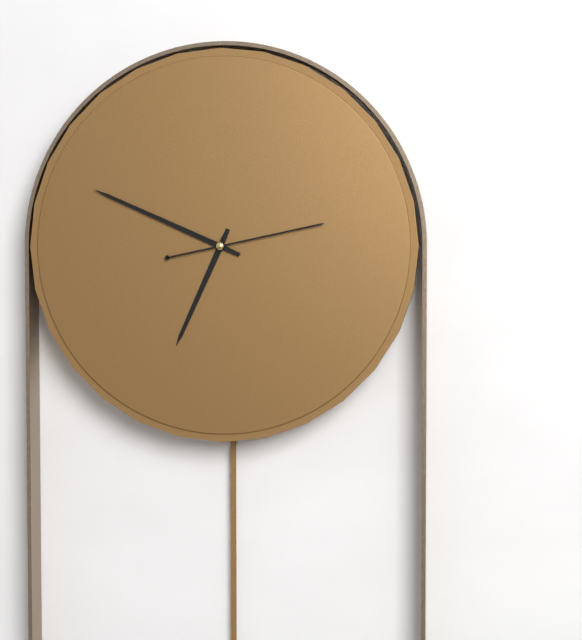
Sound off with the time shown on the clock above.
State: 6:49:13
